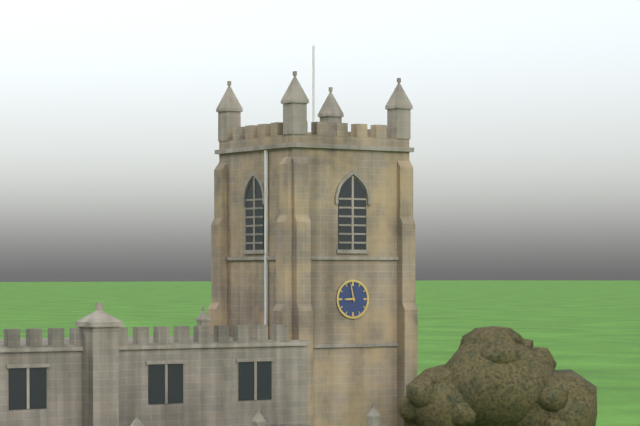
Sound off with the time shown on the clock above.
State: 8:58
